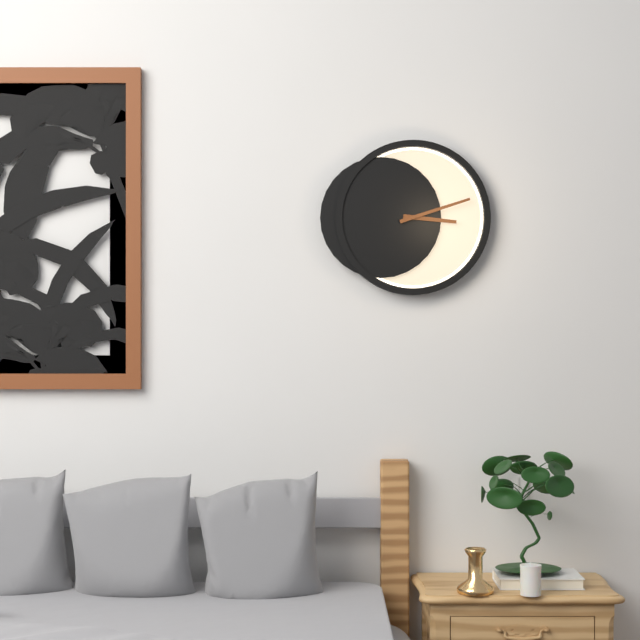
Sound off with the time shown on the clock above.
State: 3:12
